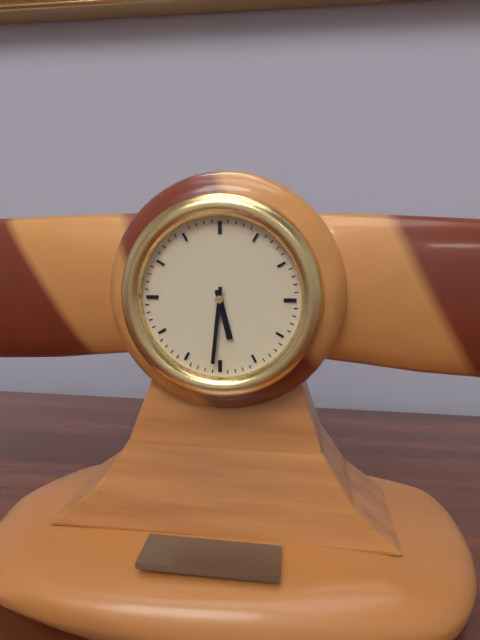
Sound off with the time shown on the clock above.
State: 5:31
